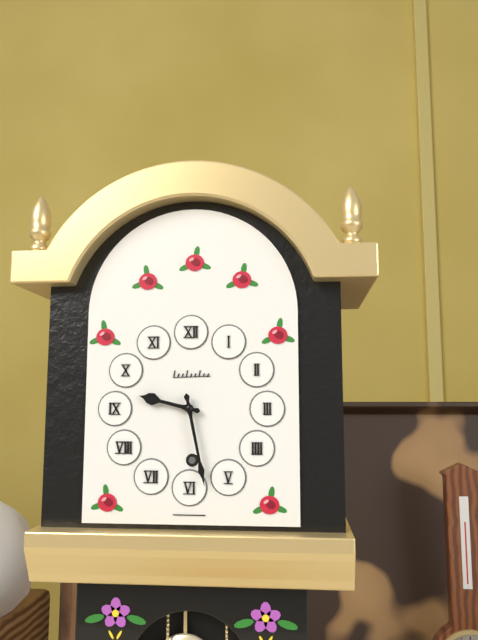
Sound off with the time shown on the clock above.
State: 9:28
